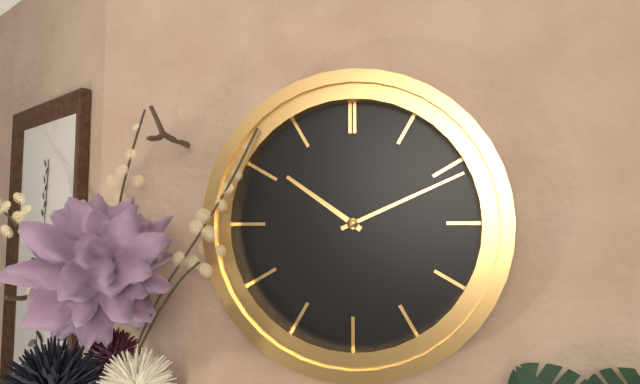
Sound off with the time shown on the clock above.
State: 10:11
